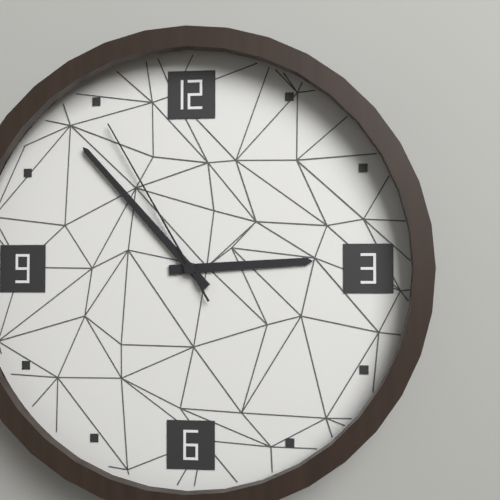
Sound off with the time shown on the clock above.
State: 2:53:55
